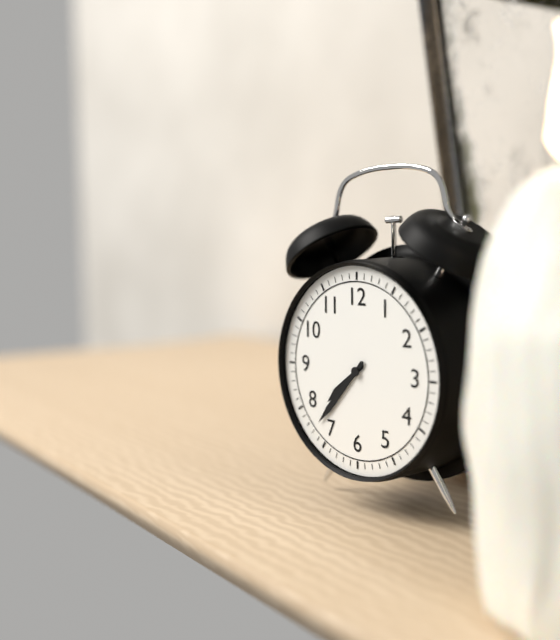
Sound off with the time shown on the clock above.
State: 7:37
